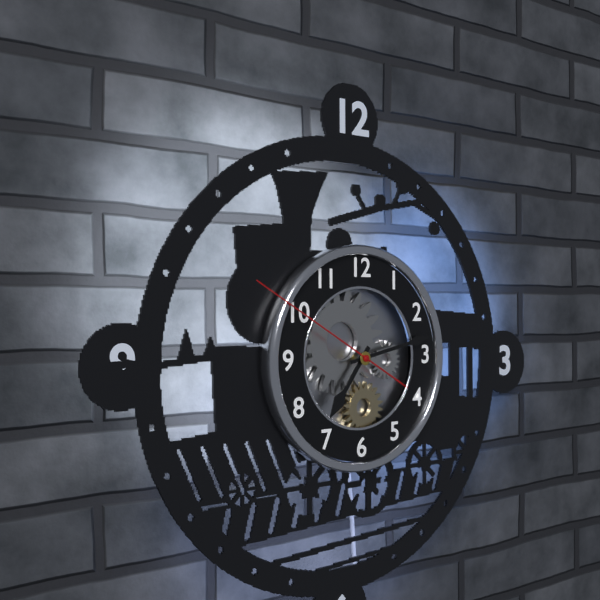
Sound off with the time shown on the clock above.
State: 7:13:50
